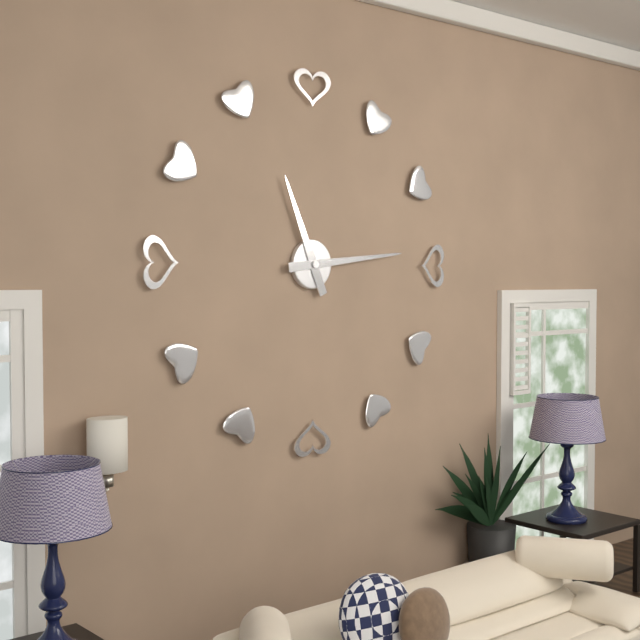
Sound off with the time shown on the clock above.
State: 11:14
